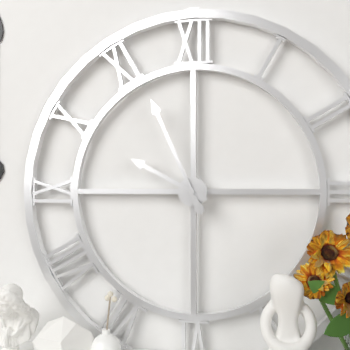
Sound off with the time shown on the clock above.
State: 9:56
